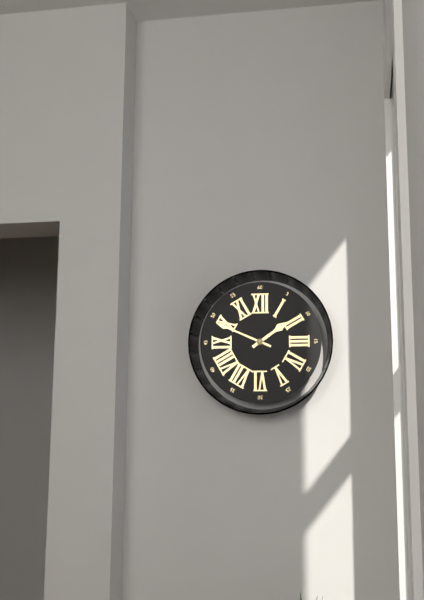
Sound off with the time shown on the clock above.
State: 1:49
